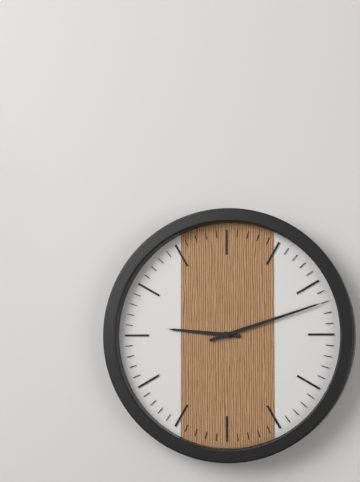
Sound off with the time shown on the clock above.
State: 9:12
